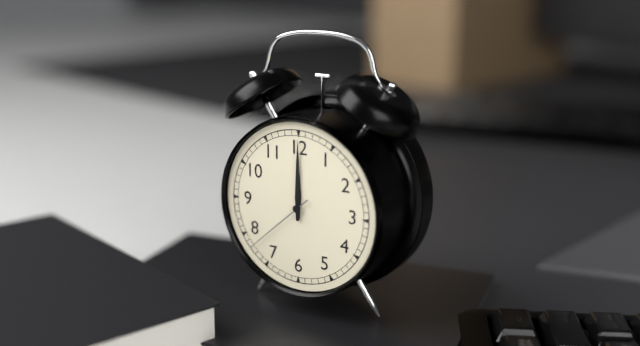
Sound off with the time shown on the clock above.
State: 12:00:38
